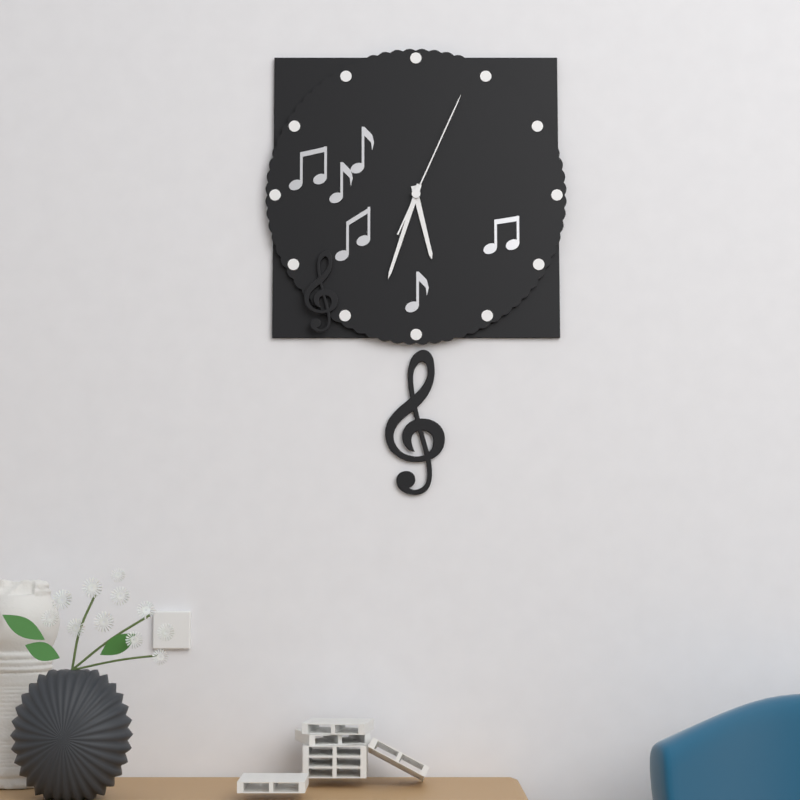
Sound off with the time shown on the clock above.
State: 5:33:04
